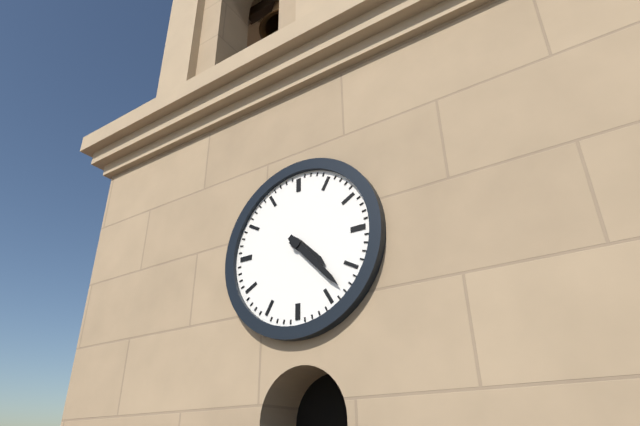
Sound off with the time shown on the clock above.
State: 4:23
